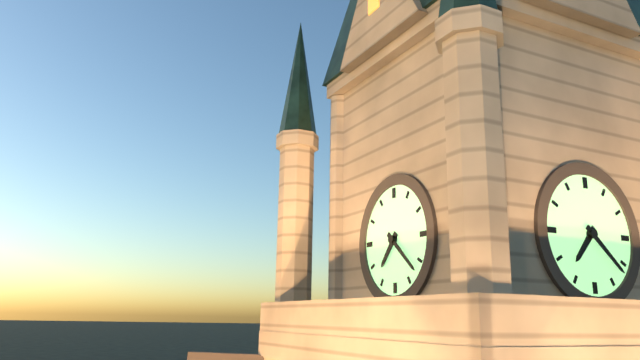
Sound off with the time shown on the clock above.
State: 7:22
